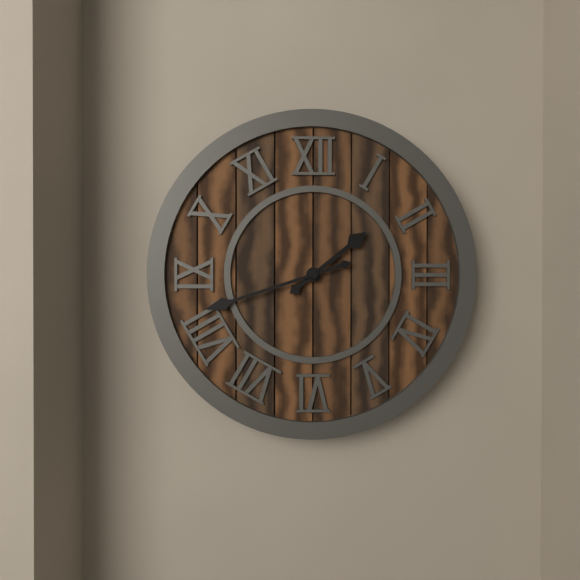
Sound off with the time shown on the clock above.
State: 1:42
